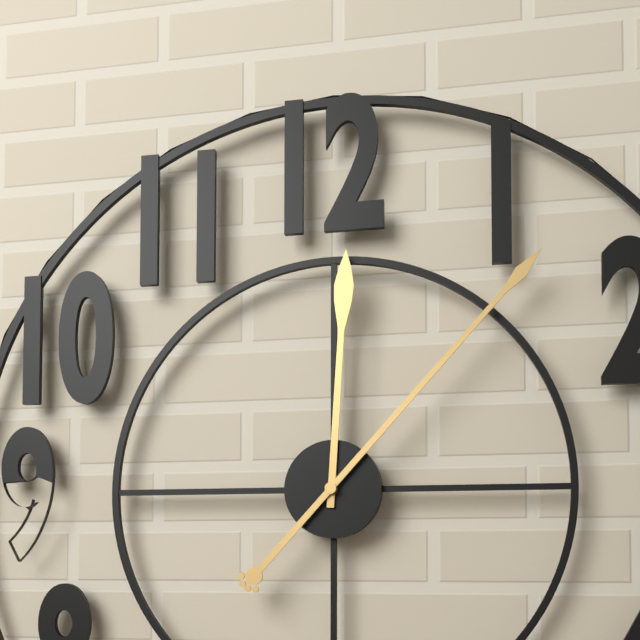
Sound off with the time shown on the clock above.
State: 12:07
